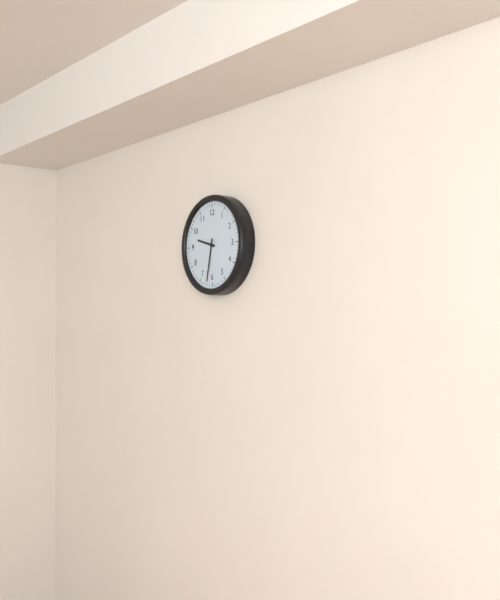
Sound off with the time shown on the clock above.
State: 9:32
